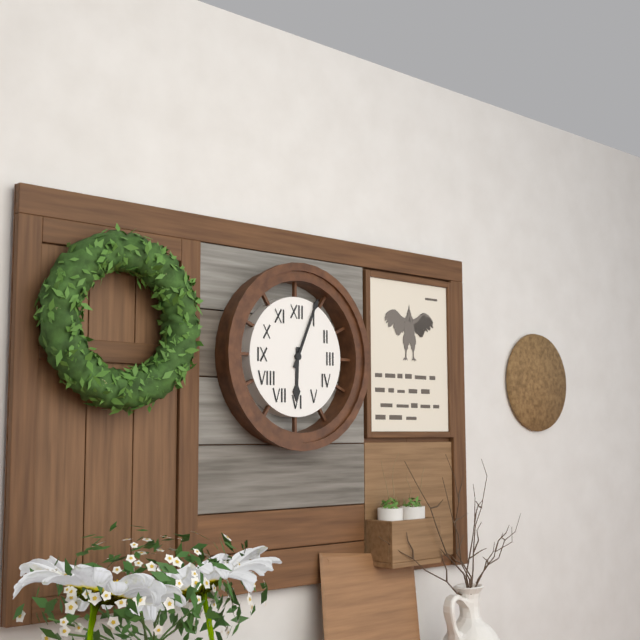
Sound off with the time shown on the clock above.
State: 6:04
